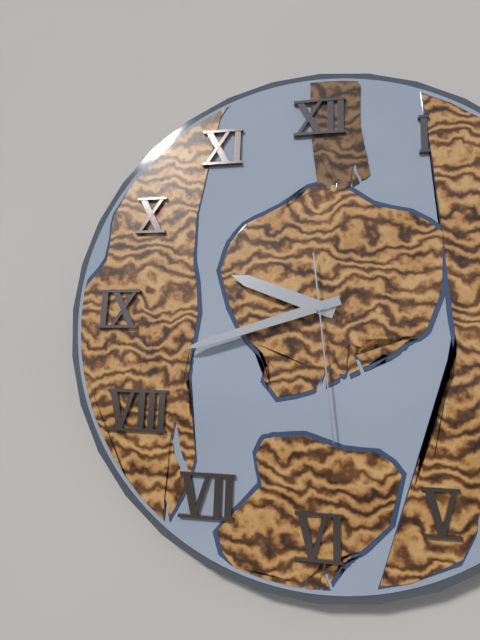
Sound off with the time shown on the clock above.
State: 9:42:29
